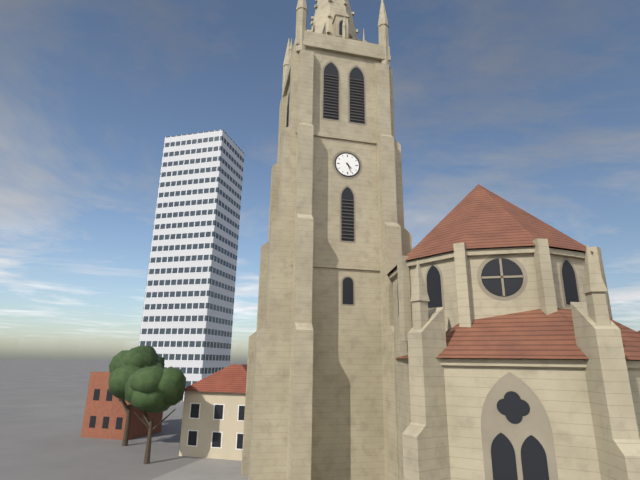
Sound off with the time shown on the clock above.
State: 4:26
